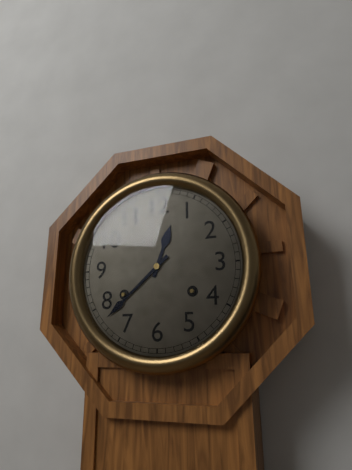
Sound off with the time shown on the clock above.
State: 12:38
